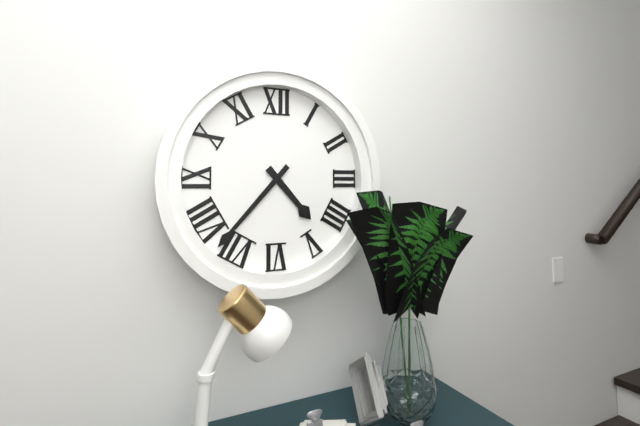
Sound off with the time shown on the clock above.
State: 4:37
